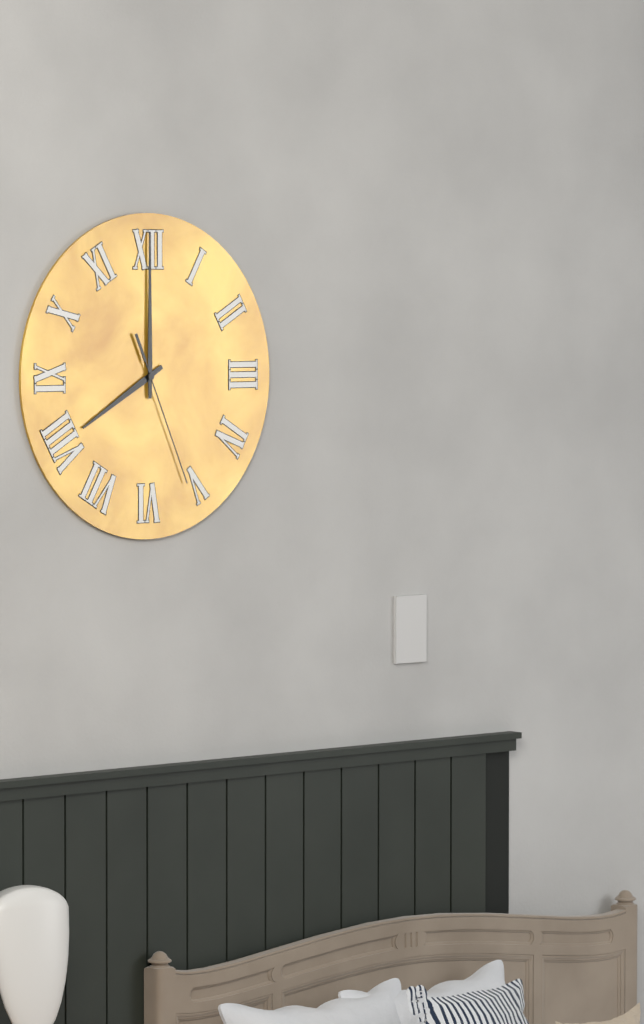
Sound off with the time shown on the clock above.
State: 8:00:26
